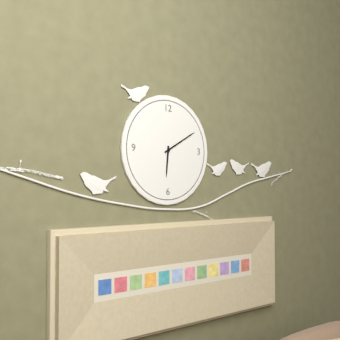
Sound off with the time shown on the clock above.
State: 6:10
